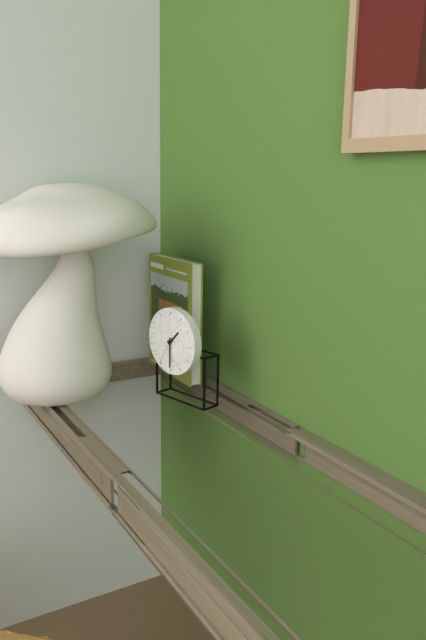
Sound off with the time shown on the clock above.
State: 1:30
